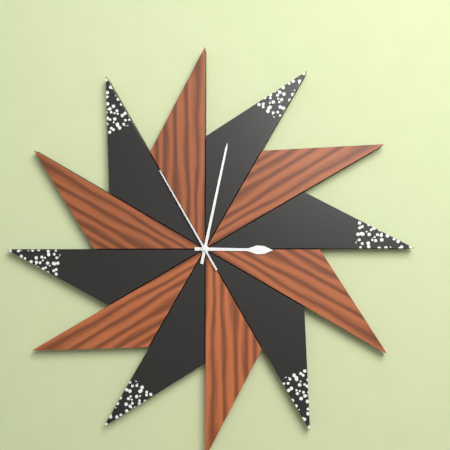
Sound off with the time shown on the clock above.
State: 3:02:55
